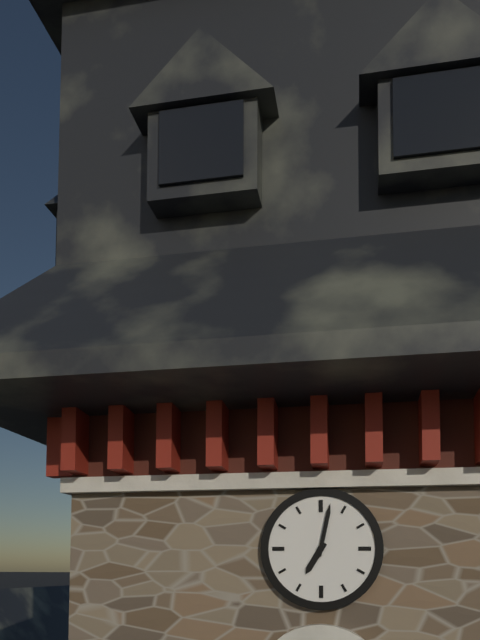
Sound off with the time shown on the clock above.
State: 7:02
